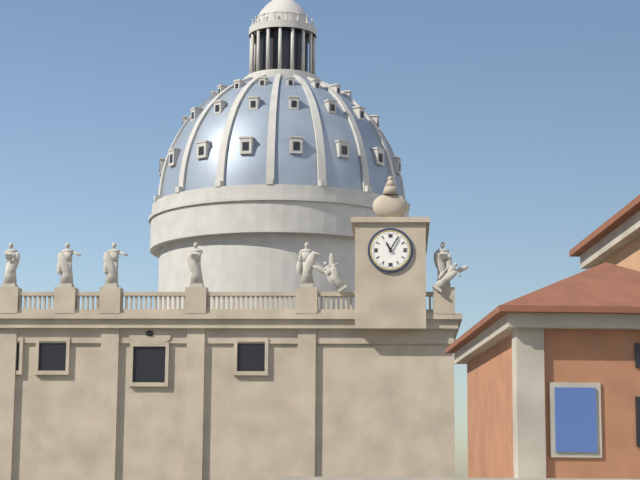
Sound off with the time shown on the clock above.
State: 11:05
